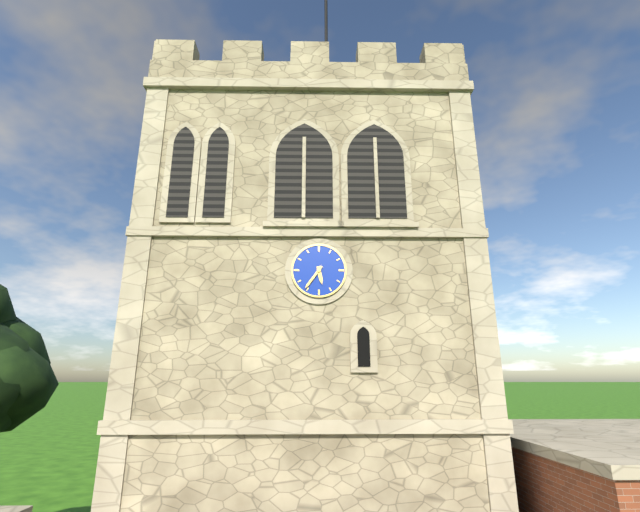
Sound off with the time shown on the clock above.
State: 5:36
